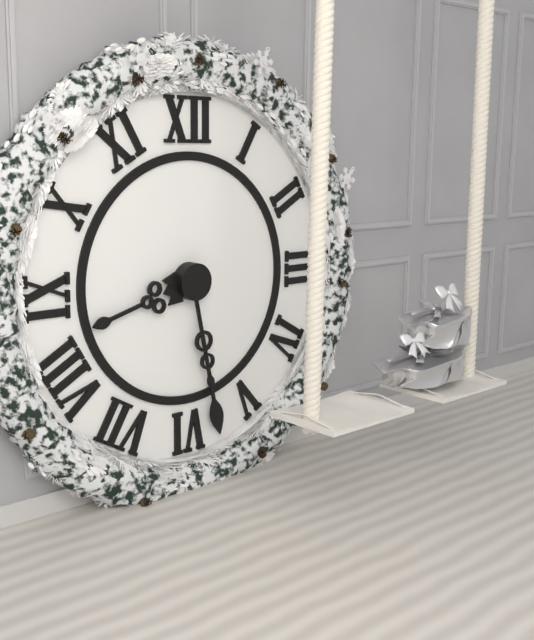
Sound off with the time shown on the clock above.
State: 8:28
